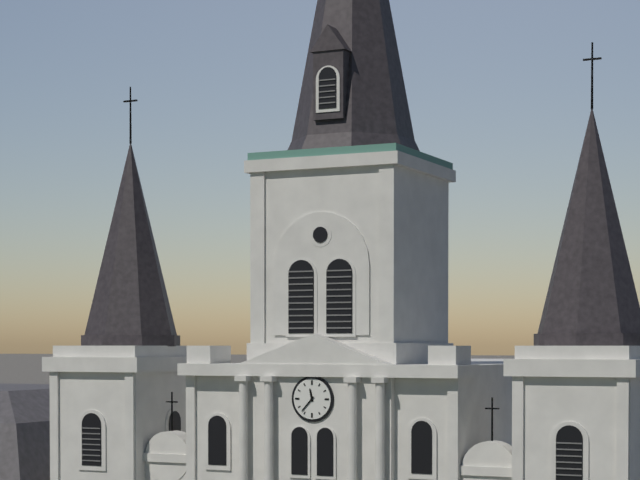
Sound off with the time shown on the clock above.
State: 11:37
